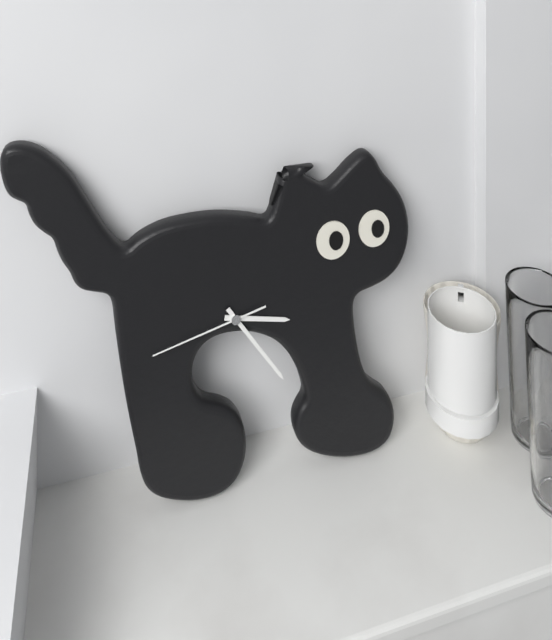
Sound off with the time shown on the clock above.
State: 3:24:43
